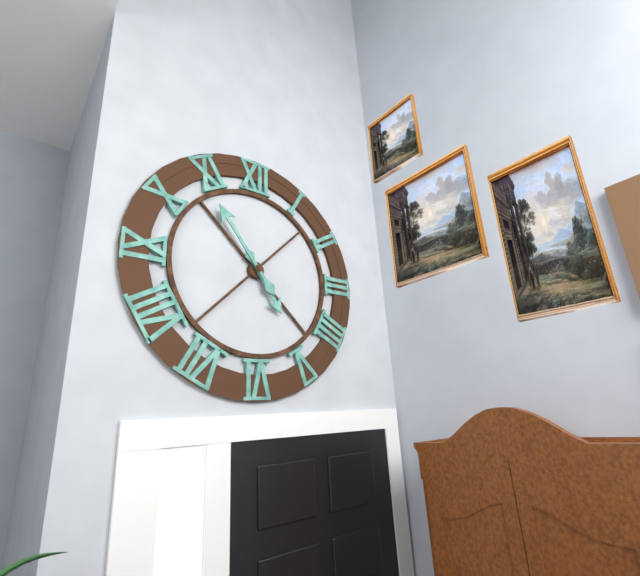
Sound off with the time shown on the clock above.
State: 4:54
